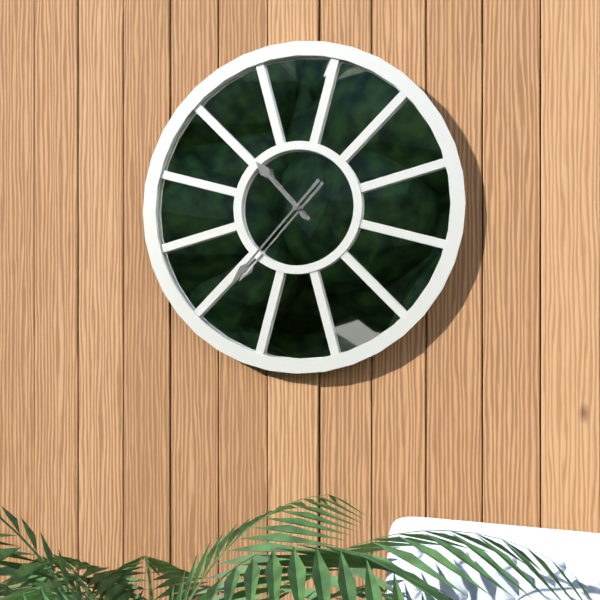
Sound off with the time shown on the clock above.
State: 10:37
